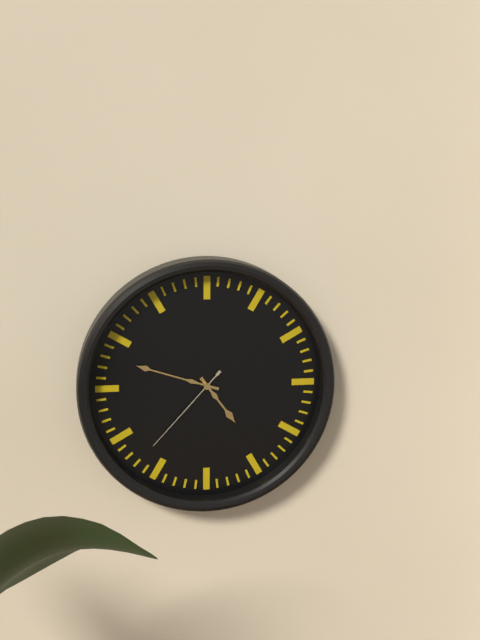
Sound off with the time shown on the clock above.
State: 4:48:37
